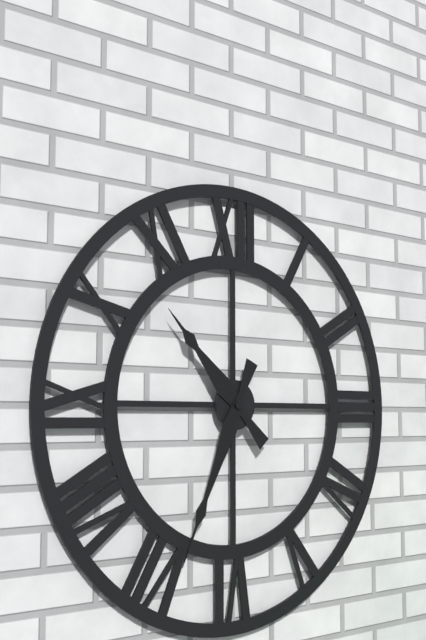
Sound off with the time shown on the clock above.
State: 10:34
